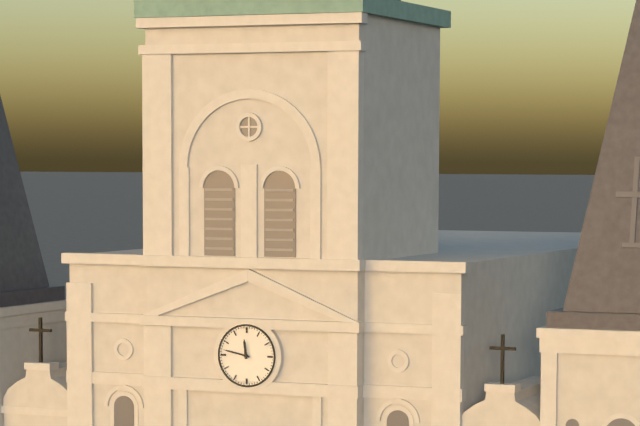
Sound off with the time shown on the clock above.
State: 11:47
